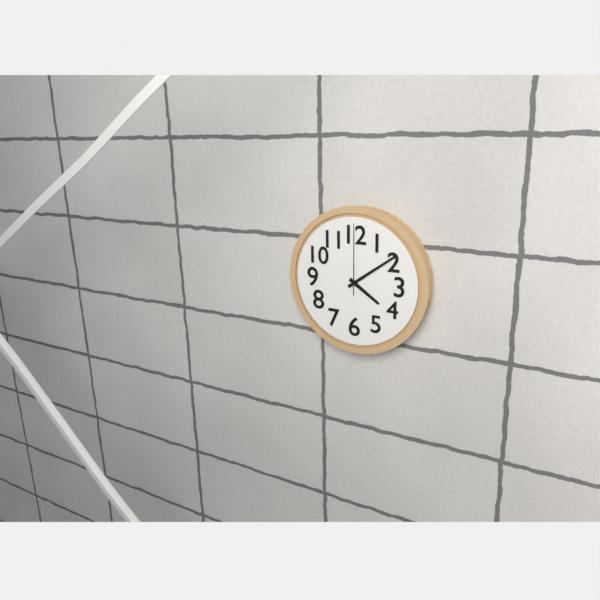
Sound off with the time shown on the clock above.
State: 4:09:00
